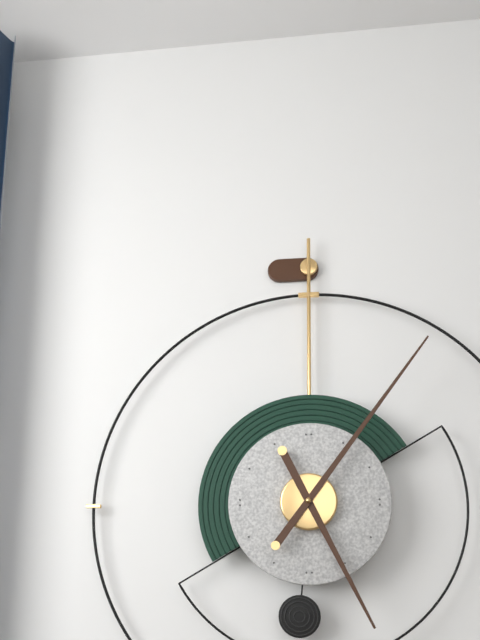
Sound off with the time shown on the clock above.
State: 5:06
